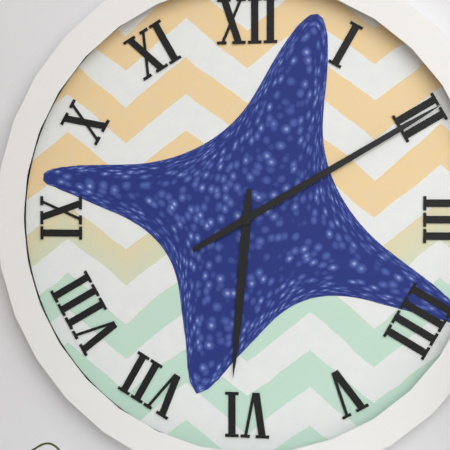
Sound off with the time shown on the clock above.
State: 6:10
